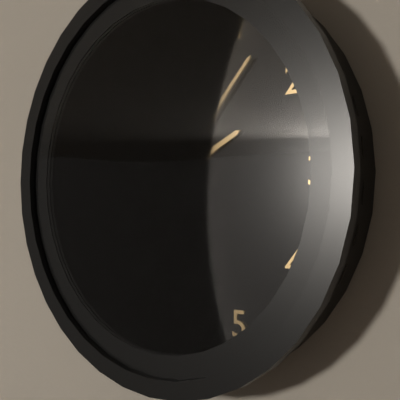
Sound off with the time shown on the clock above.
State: 2:07
